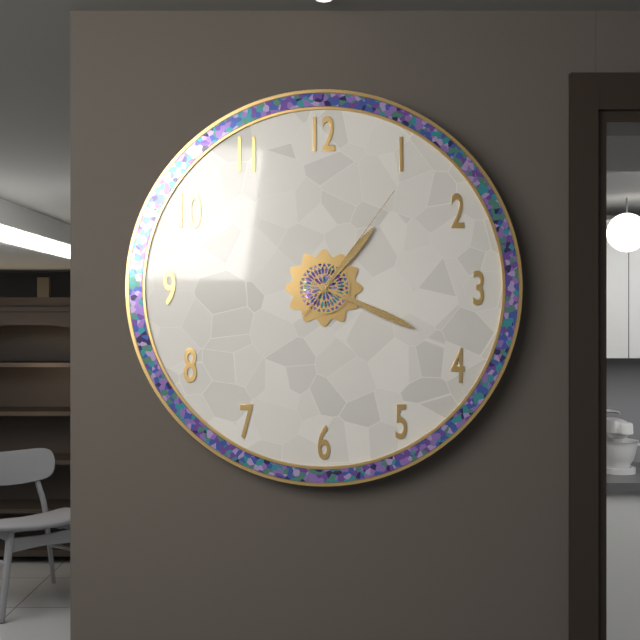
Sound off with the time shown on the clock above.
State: 1:19:06
